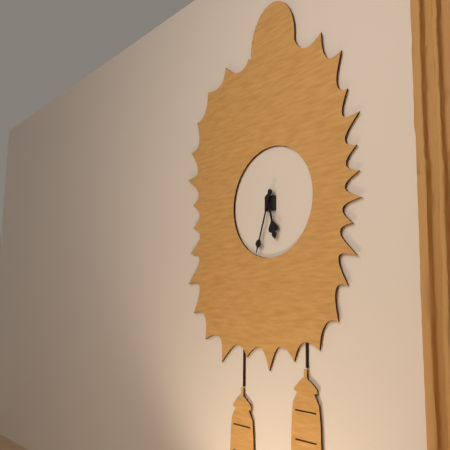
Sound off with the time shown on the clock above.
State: 5:33
